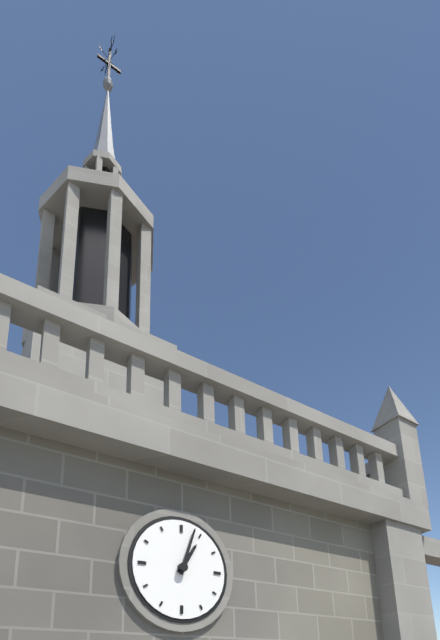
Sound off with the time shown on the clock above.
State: 1:03
